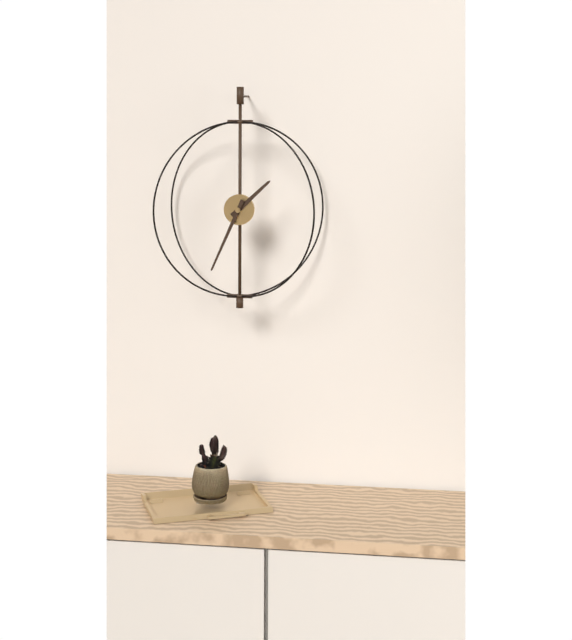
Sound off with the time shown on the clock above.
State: 1:34
